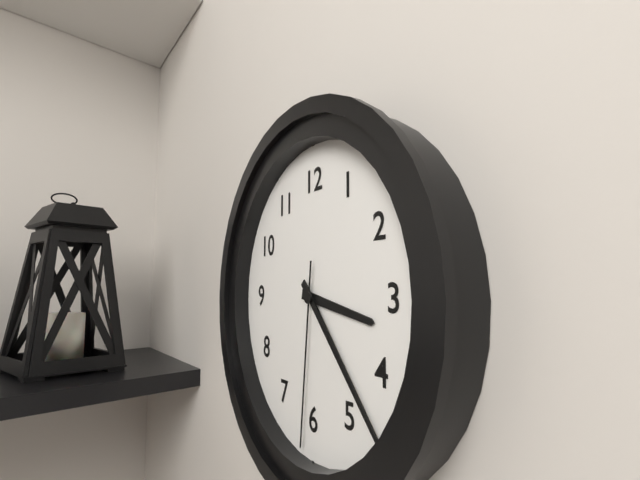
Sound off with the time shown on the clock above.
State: 3:23:31
